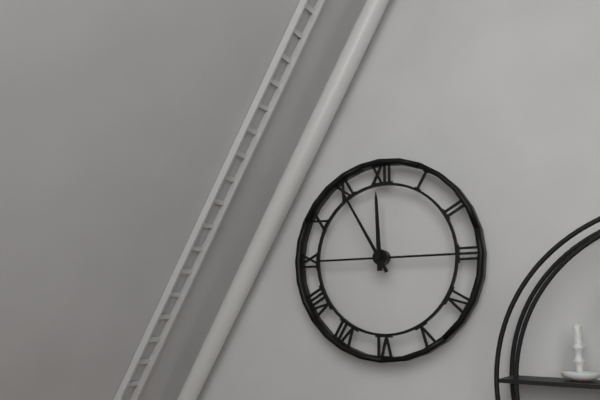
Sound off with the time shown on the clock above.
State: 11:55
